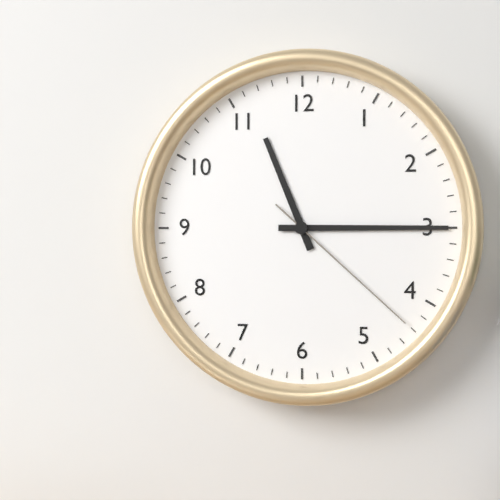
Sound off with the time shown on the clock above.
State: 11:15:22
